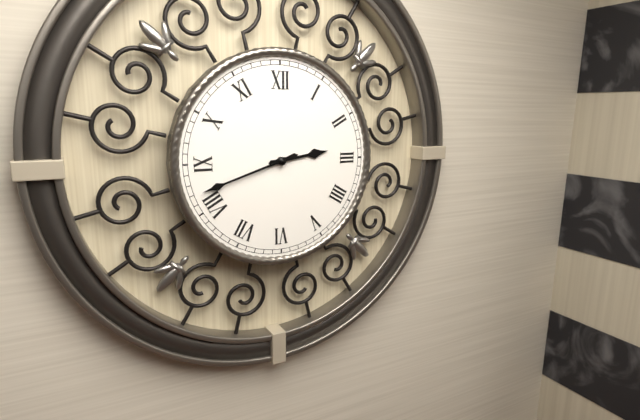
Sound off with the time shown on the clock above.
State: 2:42
